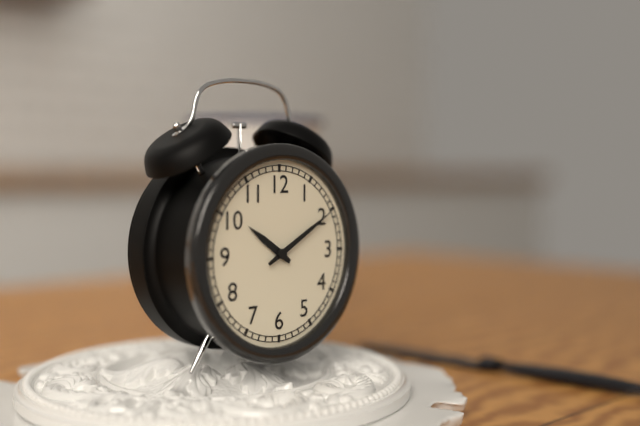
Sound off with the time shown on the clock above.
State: 10:10
